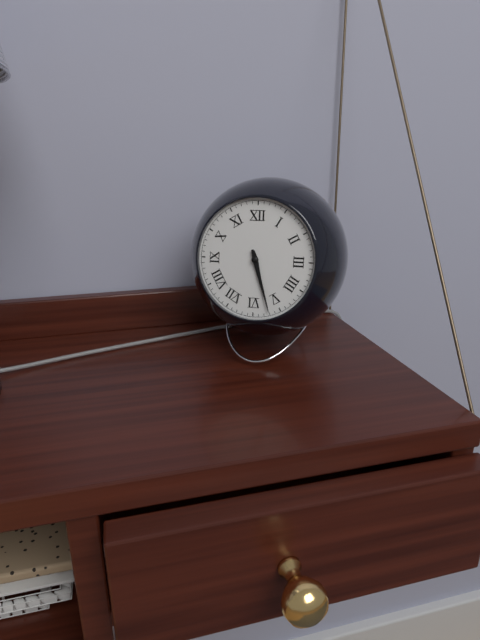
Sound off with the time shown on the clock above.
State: 5:27
